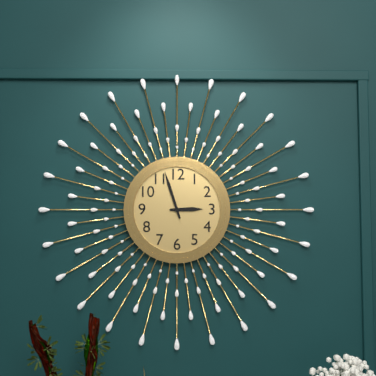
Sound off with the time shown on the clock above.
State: 2:57
